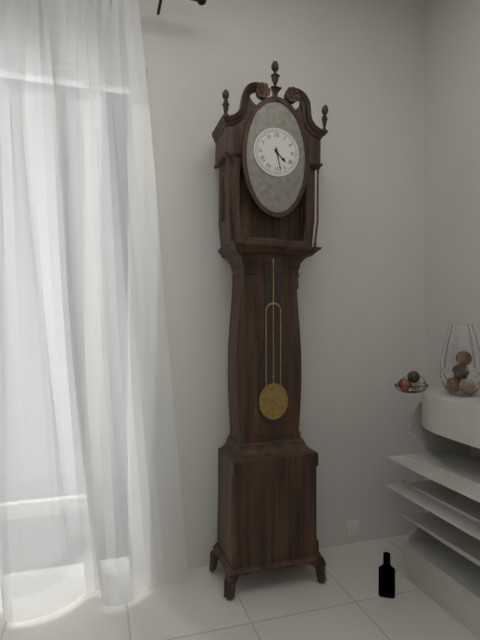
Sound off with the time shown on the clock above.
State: 4:28
